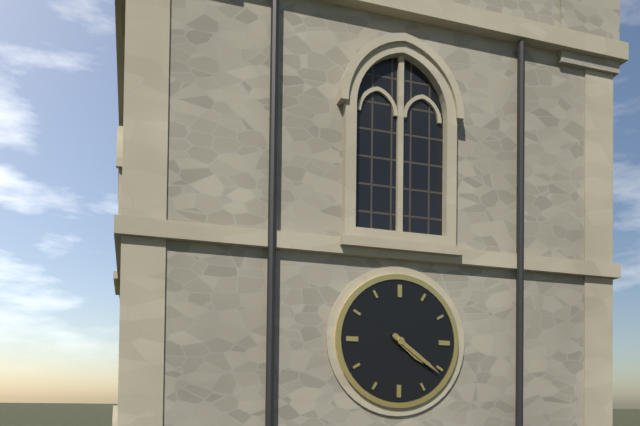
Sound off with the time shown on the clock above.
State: 4:21
